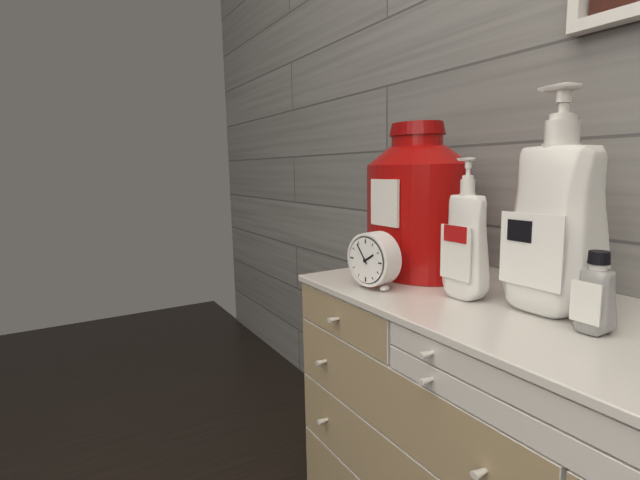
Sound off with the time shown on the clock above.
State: 1:54
